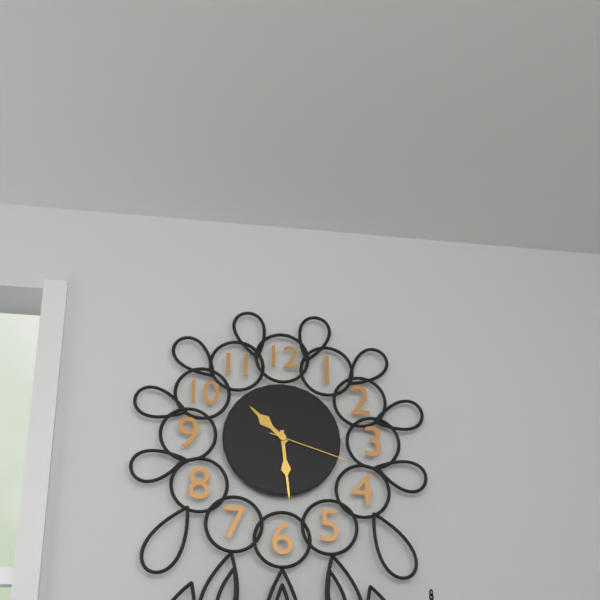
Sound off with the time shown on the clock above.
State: 10:29:18
